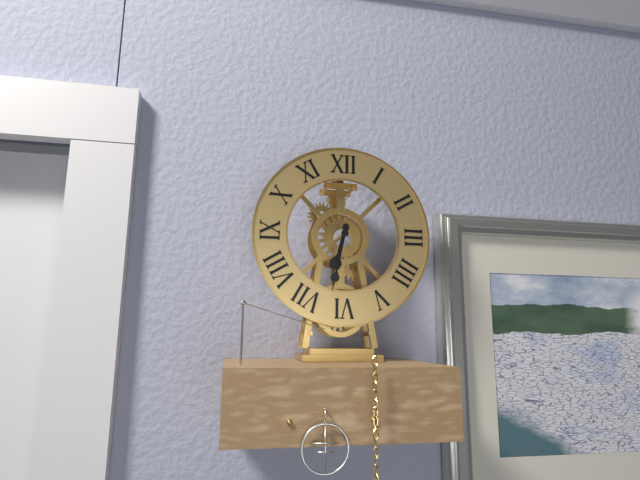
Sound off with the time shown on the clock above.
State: 6:32
